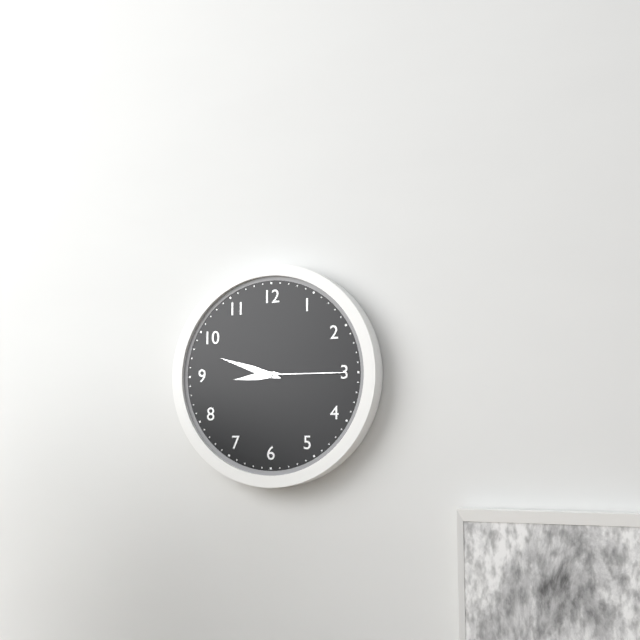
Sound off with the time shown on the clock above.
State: 8:48:15
